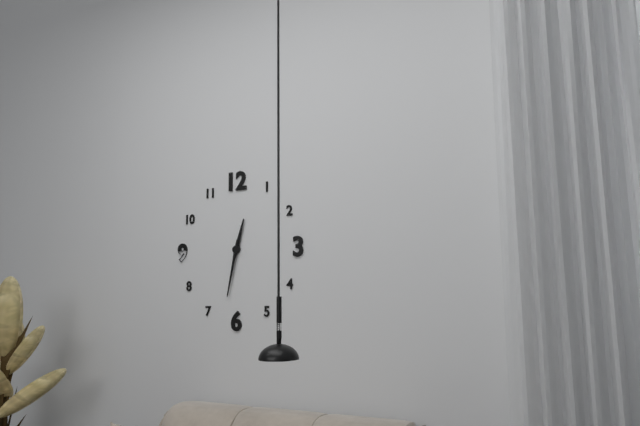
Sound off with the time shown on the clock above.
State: 12:32
